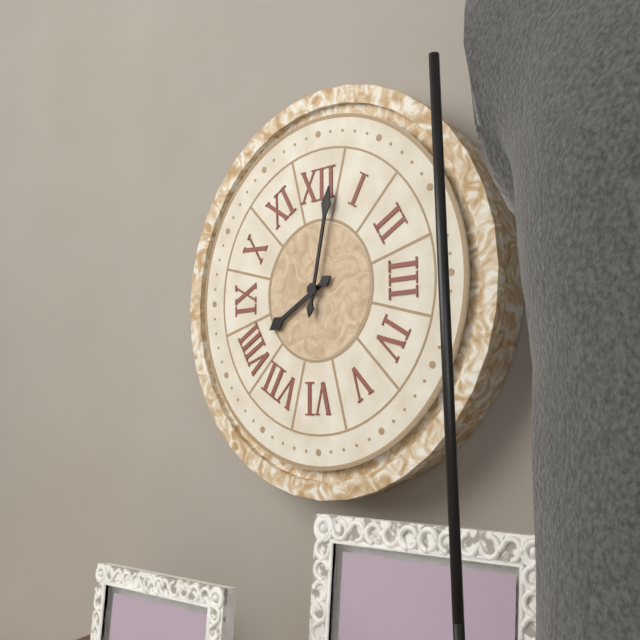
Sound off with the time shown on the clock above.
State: 8:02
